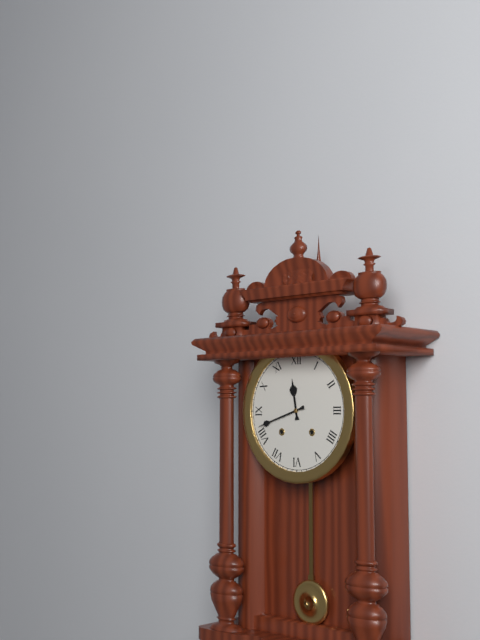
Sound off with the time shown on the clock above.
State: 11:42
